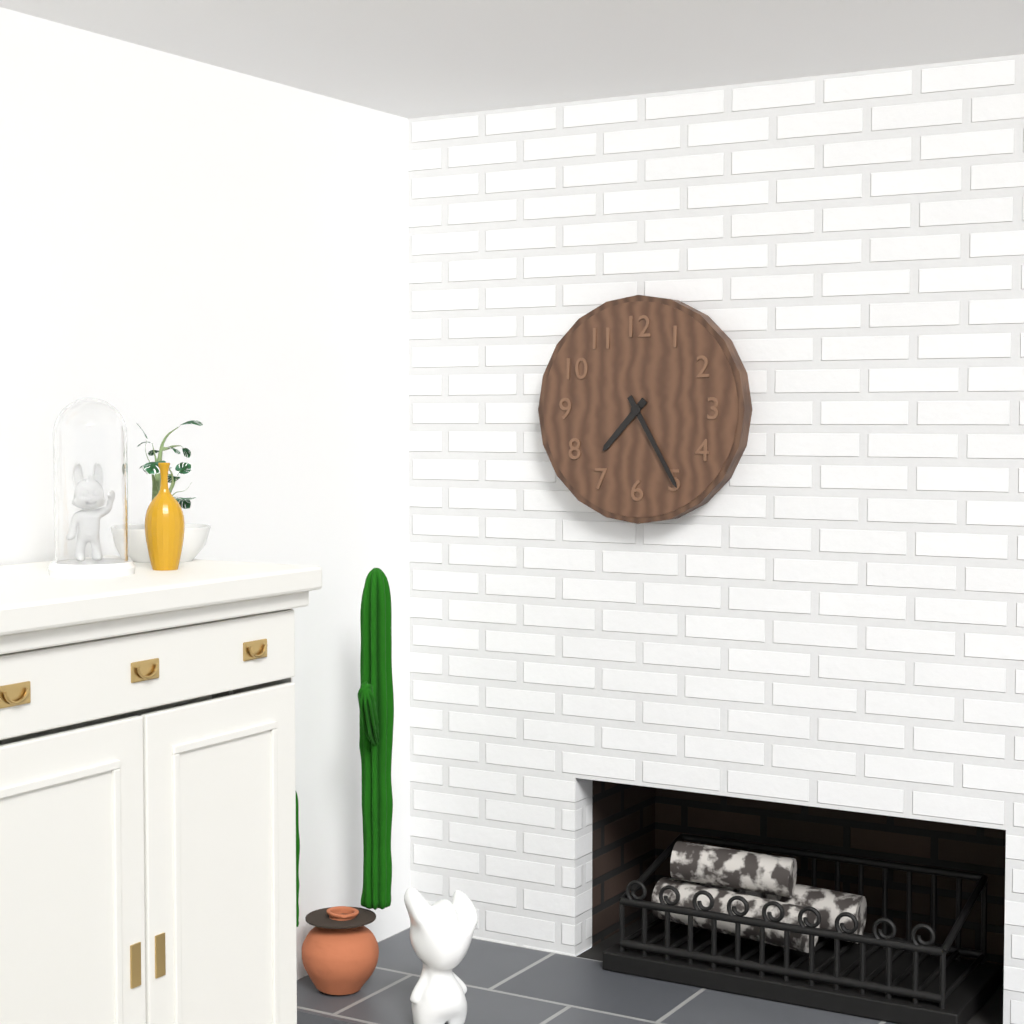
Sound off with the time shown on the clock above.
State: 7:25
